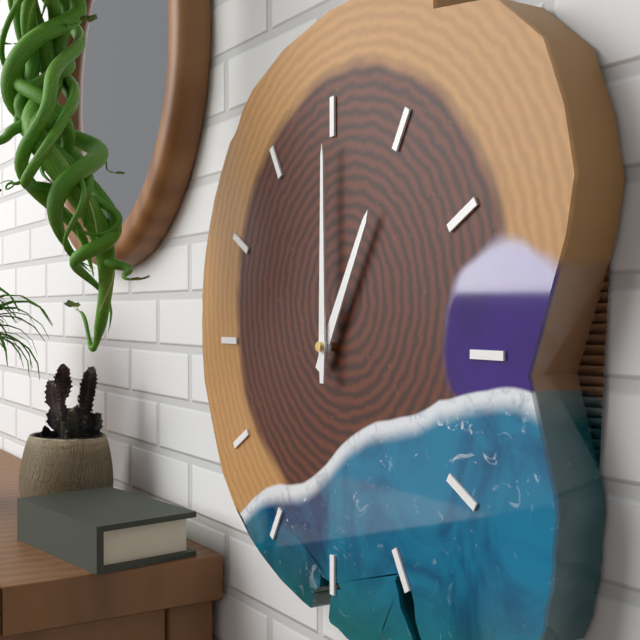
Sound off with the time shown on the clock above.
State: 1:00
